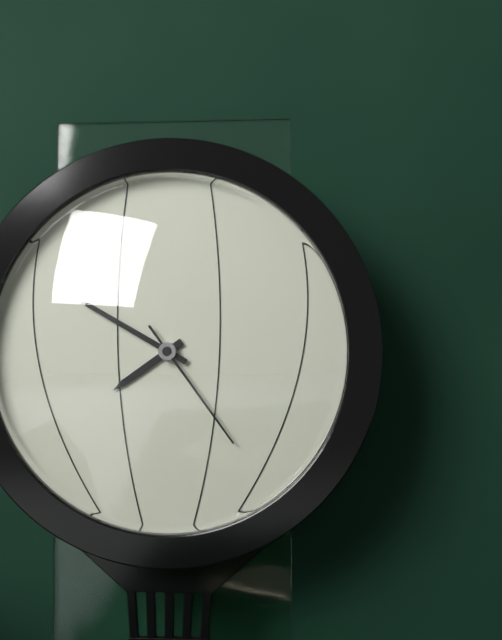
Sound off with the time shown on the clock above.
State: 7:50:24
